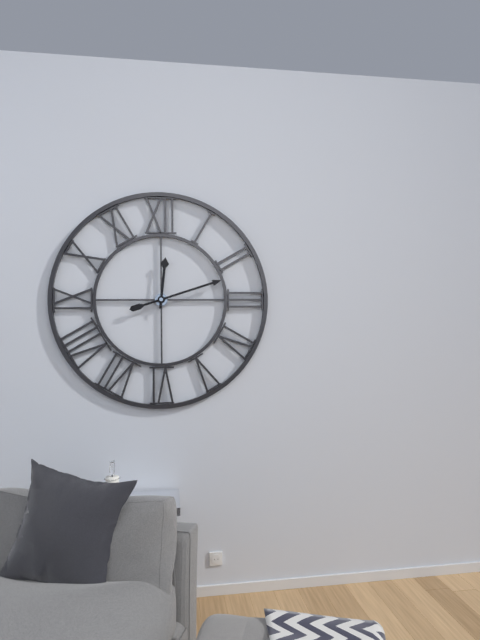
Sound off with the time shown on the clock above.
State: 12:12
